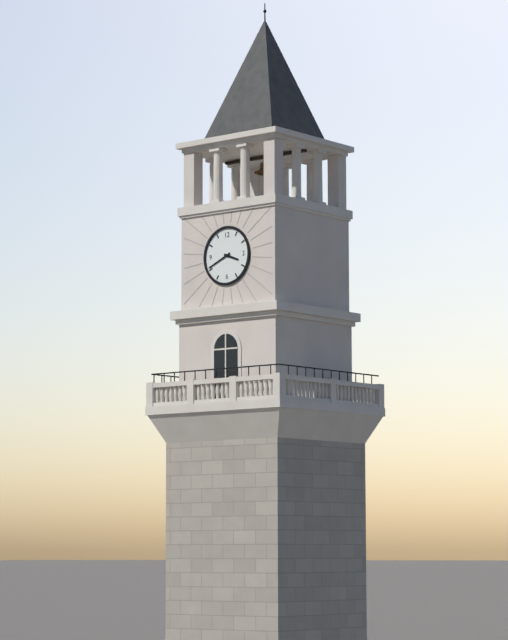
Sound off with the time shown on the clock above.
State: 3:41
